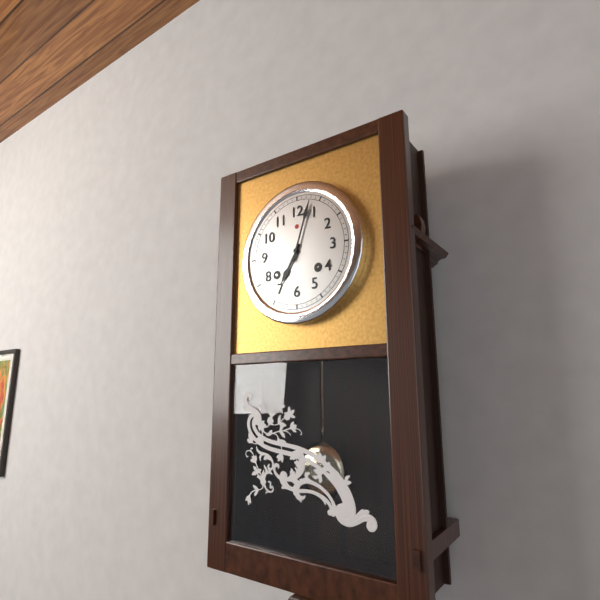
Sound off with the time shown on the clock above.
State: 7:03
